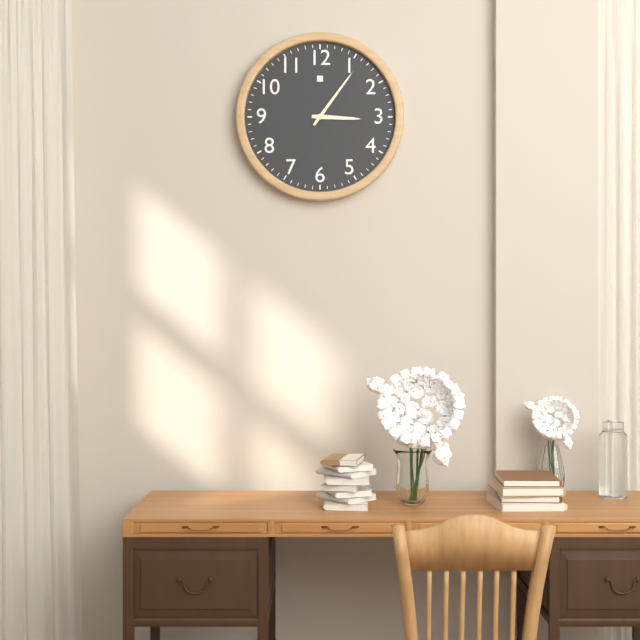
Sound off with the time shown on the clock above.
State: 3:06
